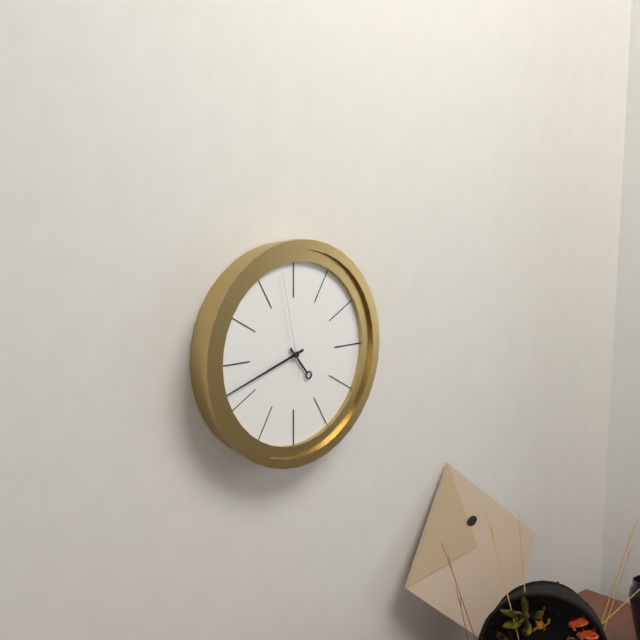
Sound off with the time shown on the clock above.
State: 4:42:58
